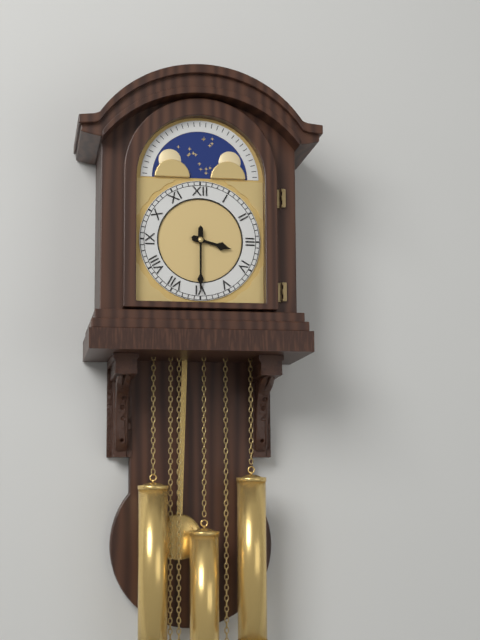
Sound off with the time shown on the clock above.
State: 3:30
